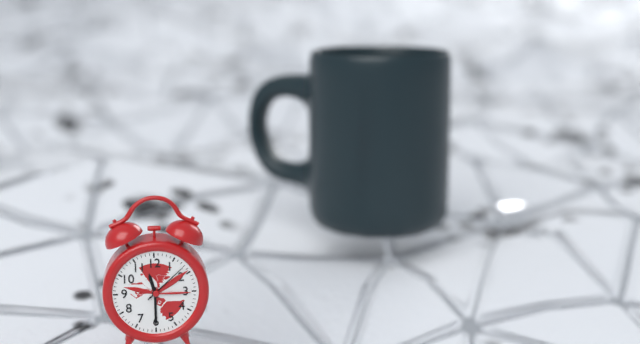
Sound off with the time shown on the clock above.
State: 11:30
